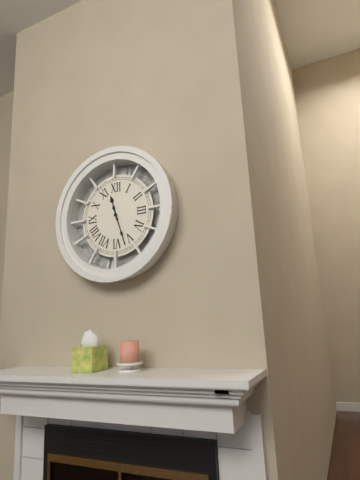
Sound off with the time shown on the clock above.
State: 11:27
